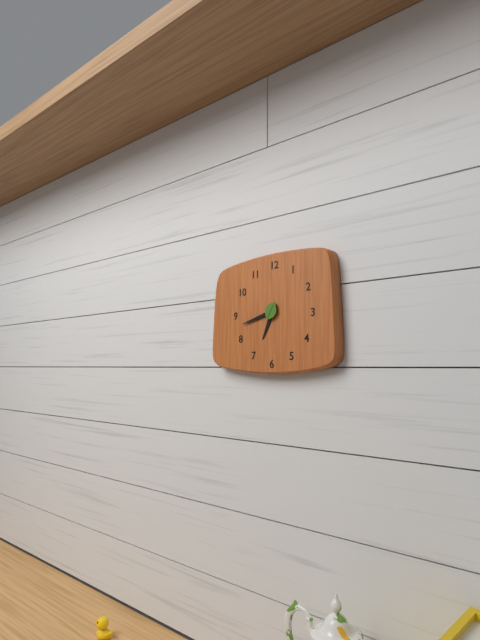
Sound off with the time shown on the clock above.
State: 6:42
